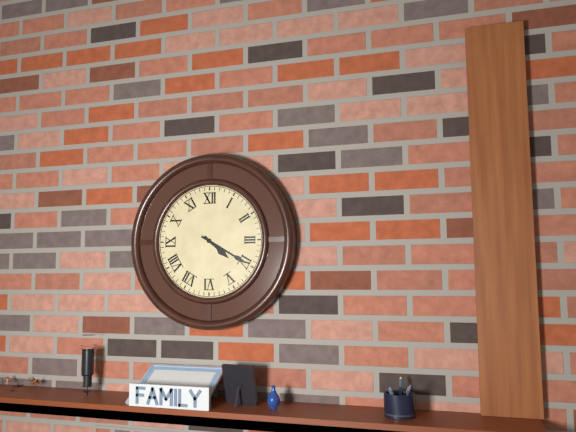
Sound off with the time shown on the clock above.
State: 4:20
